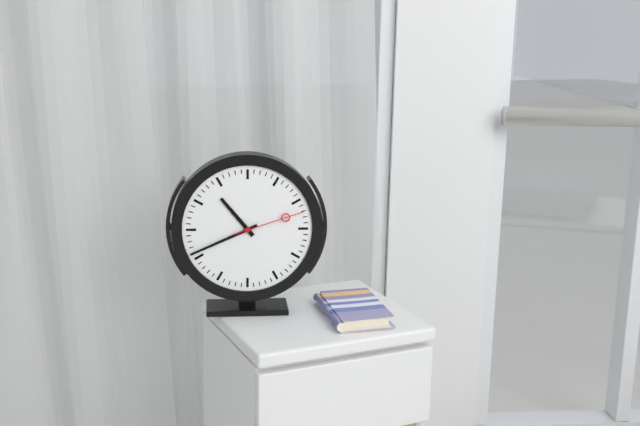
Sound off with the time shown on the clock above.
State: 10:41:12
